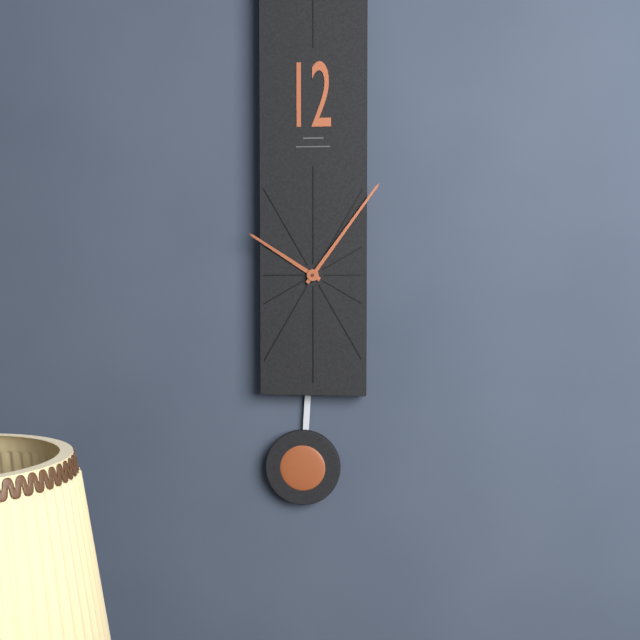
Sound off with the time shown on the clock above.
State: 10:06
